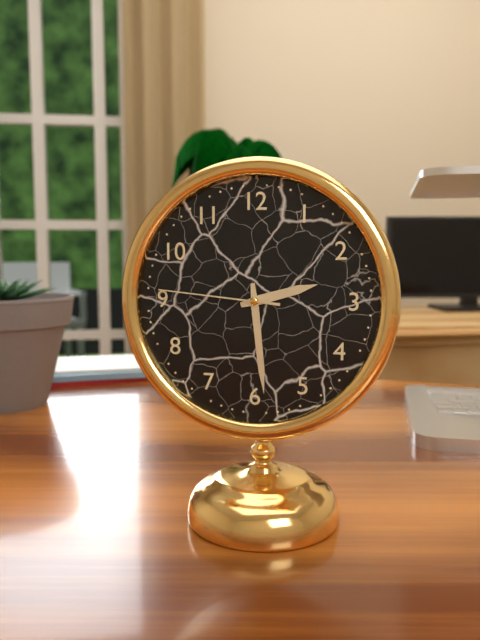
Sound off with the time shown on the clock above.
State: 2:29:46
